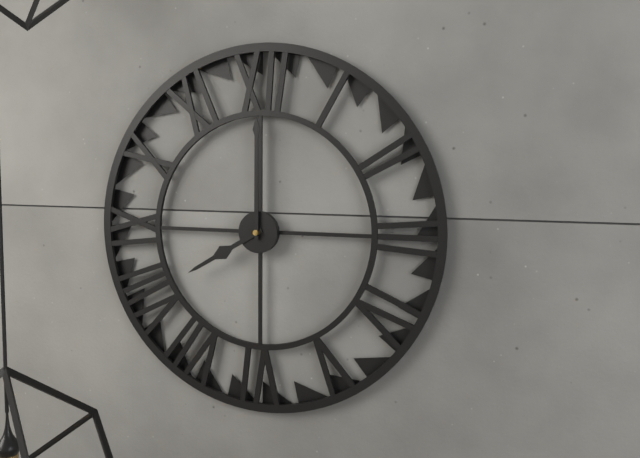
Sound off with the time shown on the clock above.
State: 8:00
